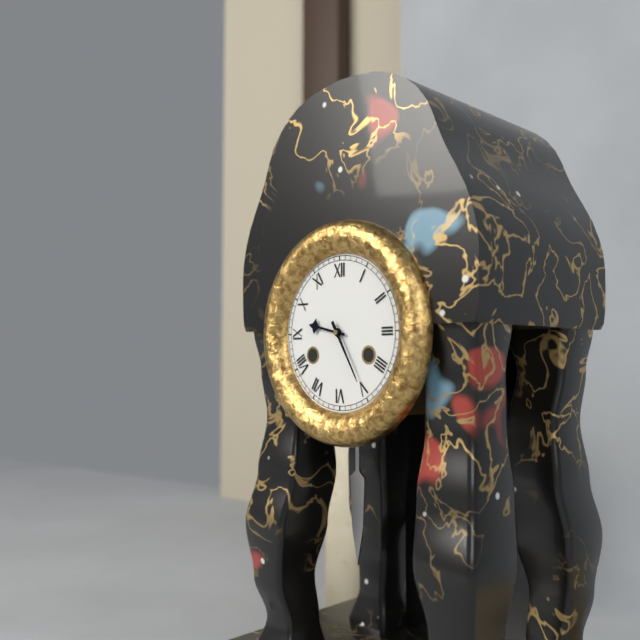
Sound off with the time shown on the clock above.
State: 9:25
